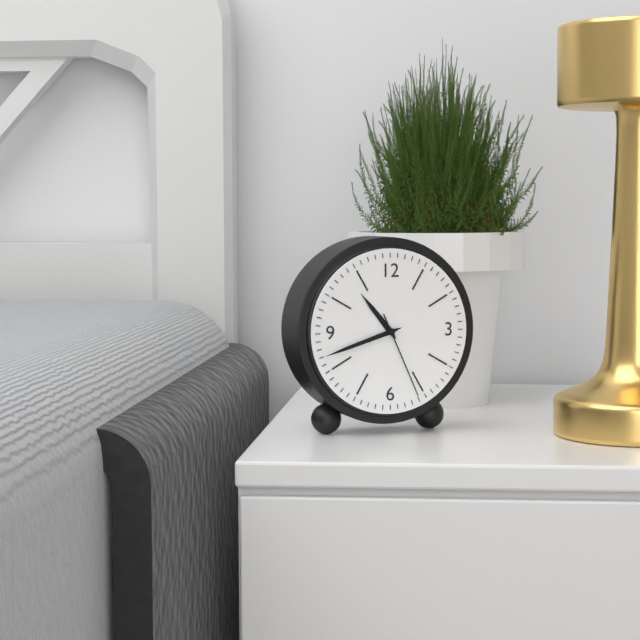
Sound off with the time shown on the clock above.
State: 10:42:26
